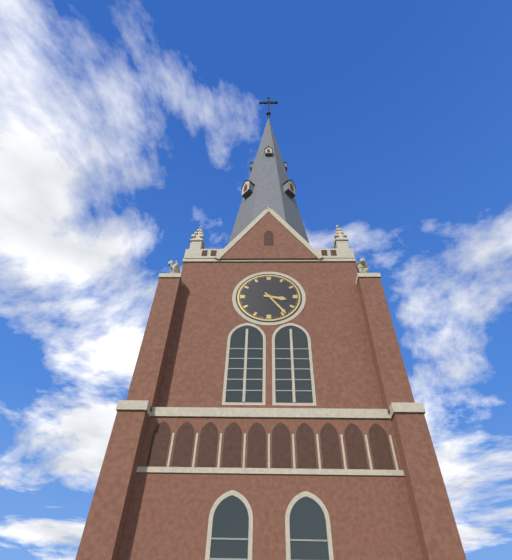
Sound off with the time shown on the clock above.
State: 3:24
